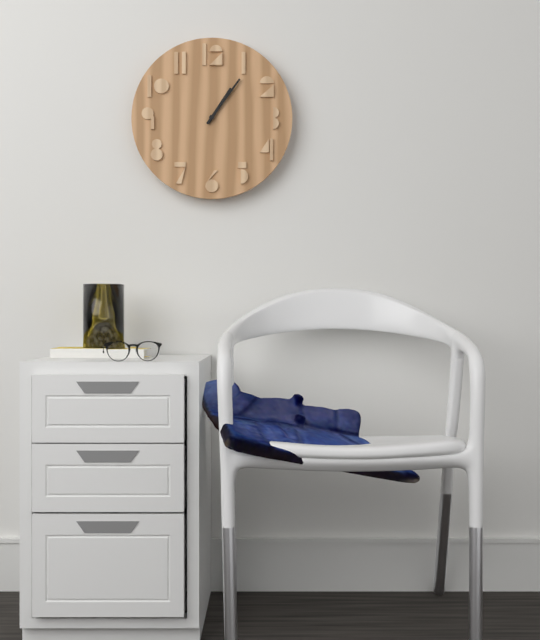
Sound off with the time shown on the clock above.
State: 1:06
